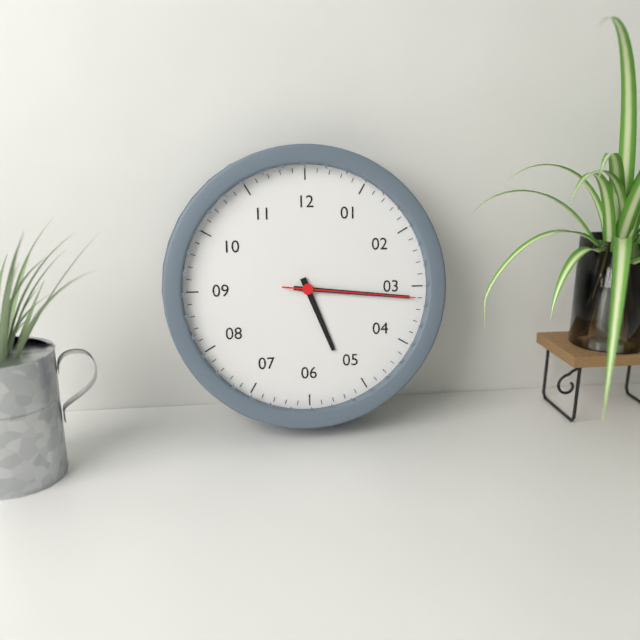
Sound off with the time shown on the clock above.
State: 5:16:16
